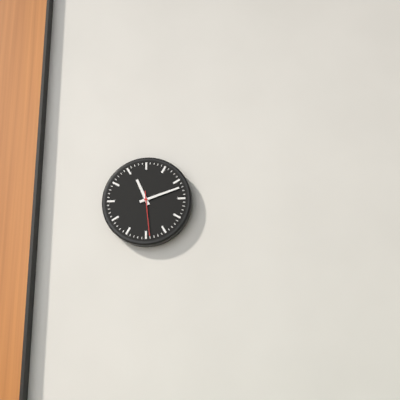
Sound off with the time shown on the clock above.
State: 11:12
